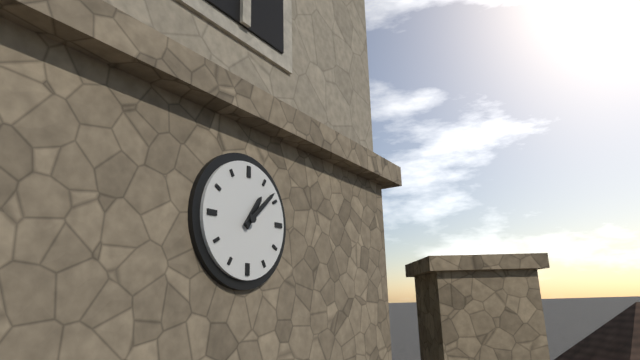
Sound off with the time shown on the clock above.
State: 1:08
